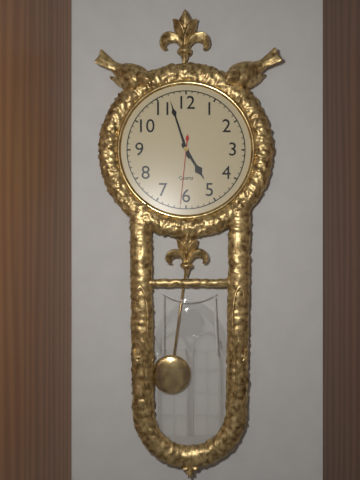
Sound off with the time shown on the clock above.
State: 4:57:31
